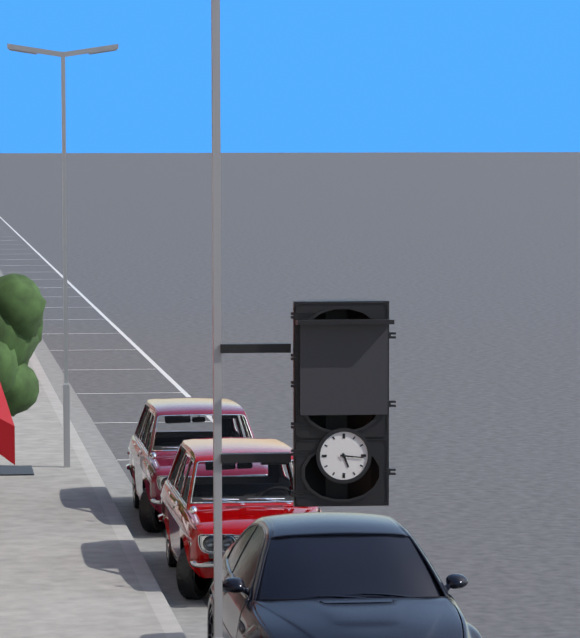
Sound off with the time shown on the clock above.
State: 5:16
